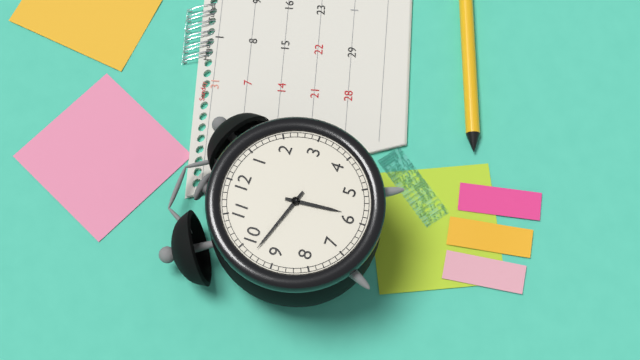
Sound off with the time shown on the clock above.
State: 5:48
